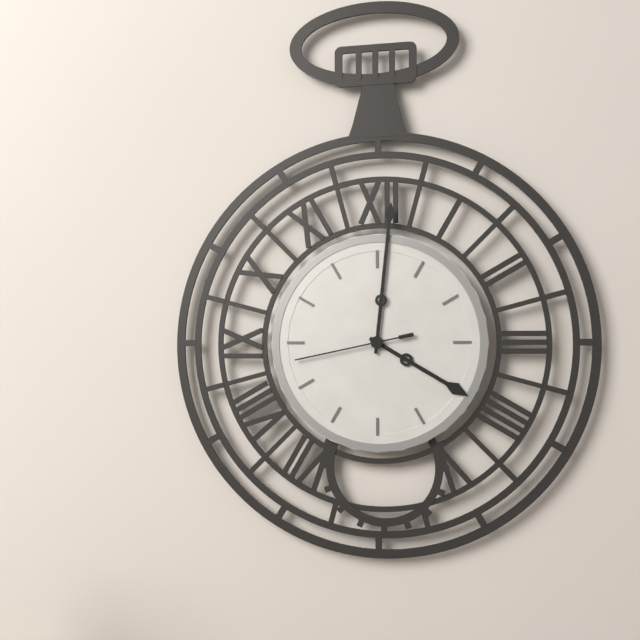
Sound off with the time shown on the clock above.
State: 4:01:43
